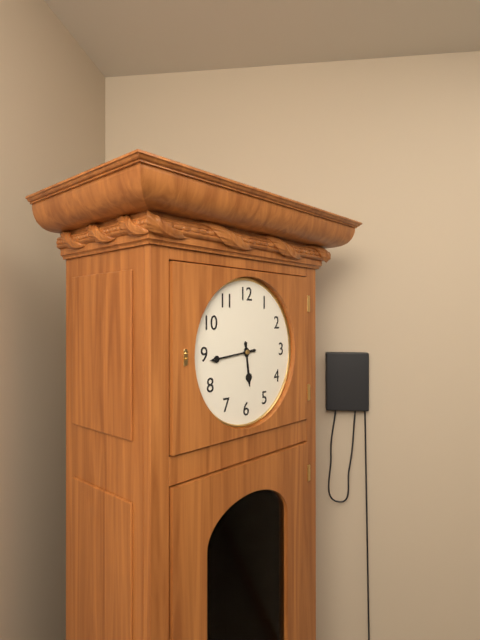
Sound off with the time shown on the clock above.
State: 5:44
